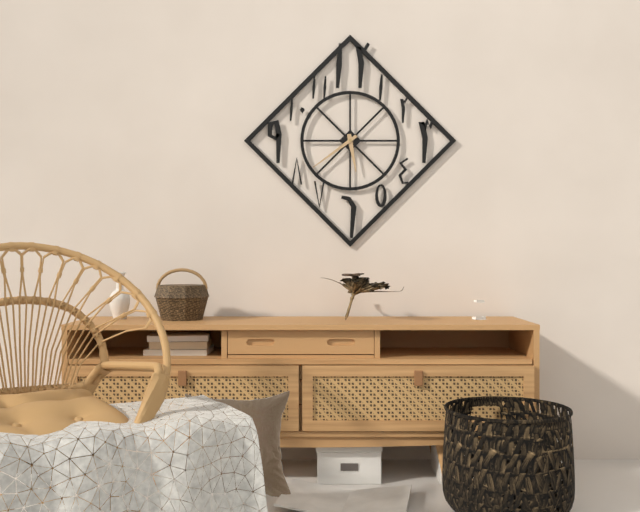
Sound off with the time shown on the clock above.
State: 5:39
